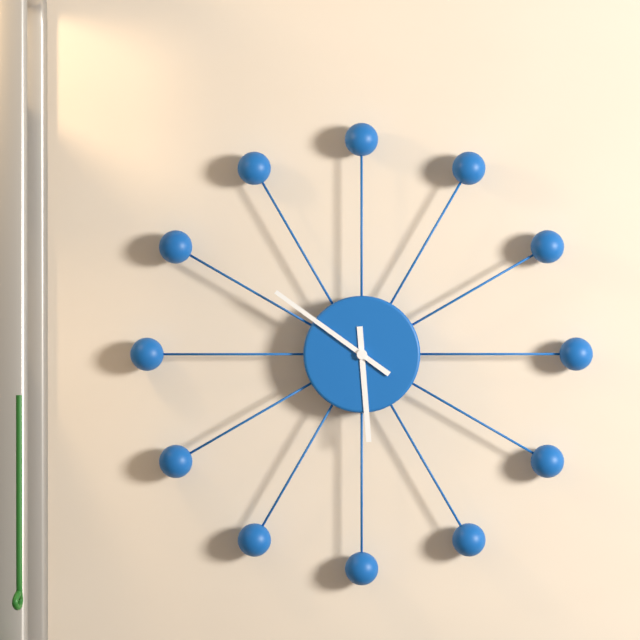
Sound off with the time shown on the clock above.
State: 5:51
